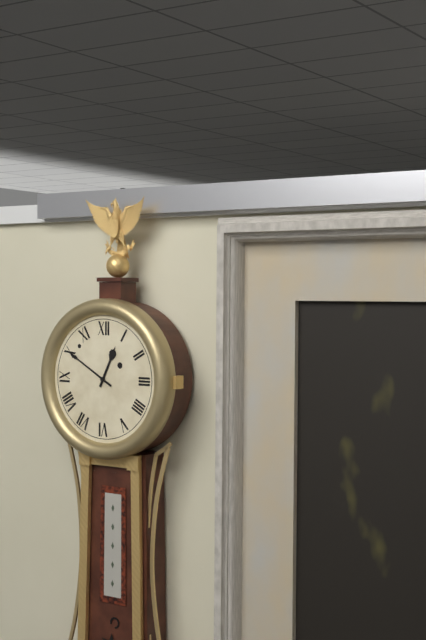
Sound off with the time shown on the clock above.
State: 12:50
